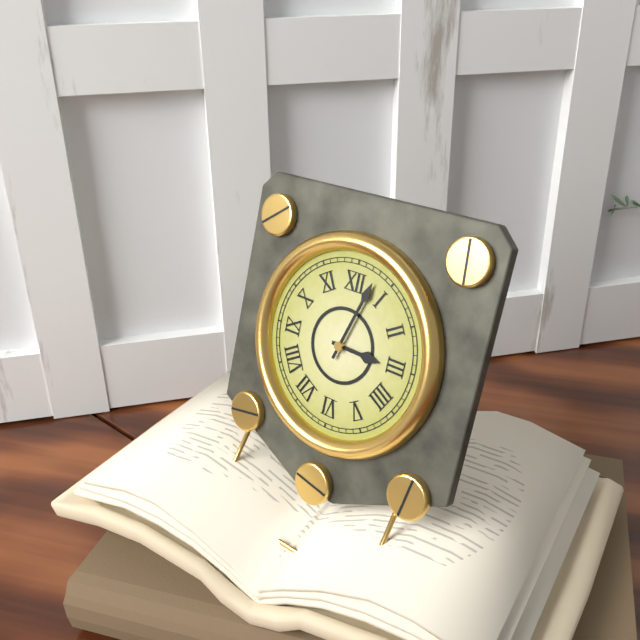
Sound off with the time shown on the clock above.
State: 3:03
